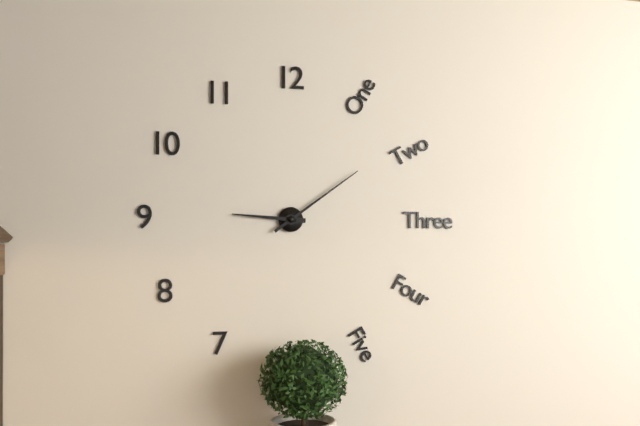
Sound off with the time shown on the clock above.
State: 9:09
